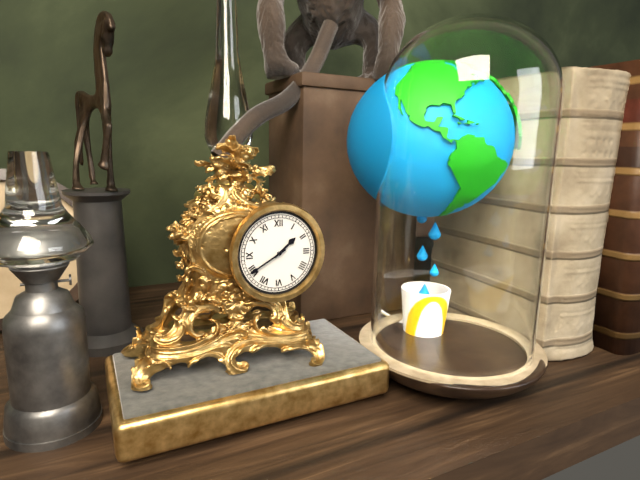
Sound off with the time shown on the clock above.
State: 1:40
